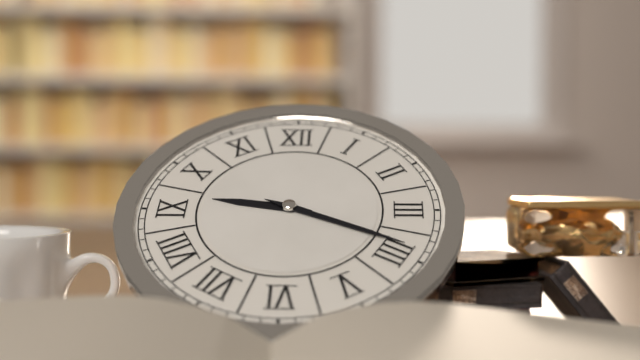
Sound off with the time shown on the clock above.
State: 9:19
